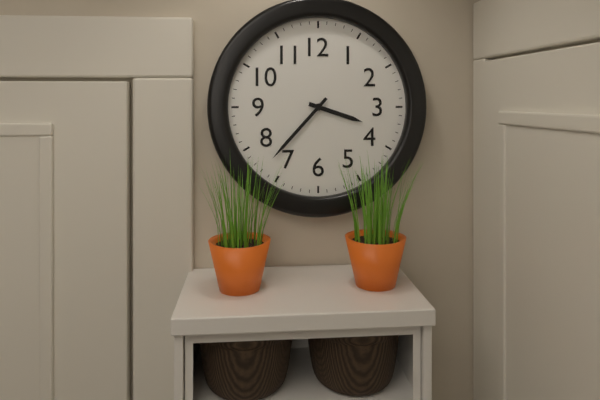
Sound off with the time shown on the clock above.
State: 3:37
